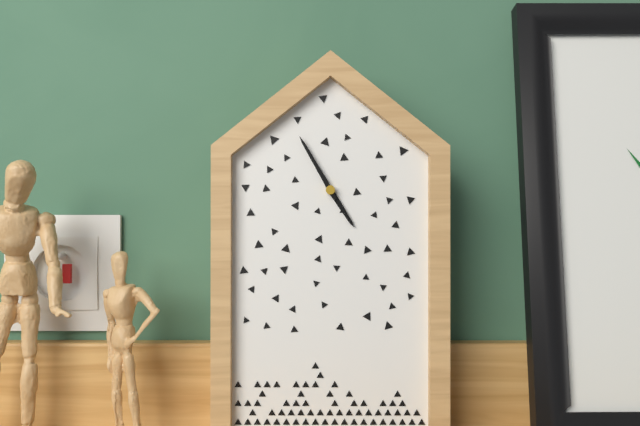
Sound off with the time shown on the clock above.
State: 4:55
